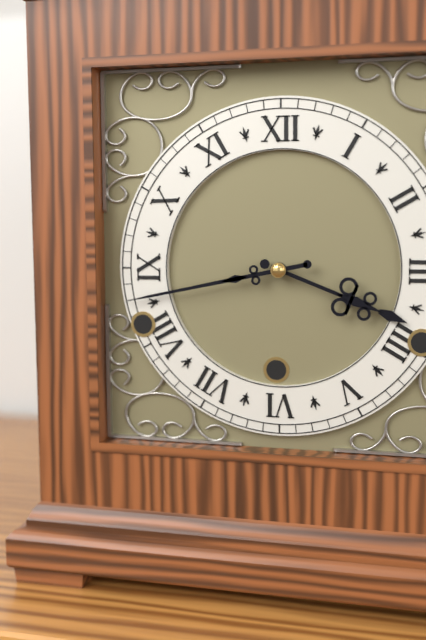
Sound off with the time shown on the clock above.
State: 3:43
